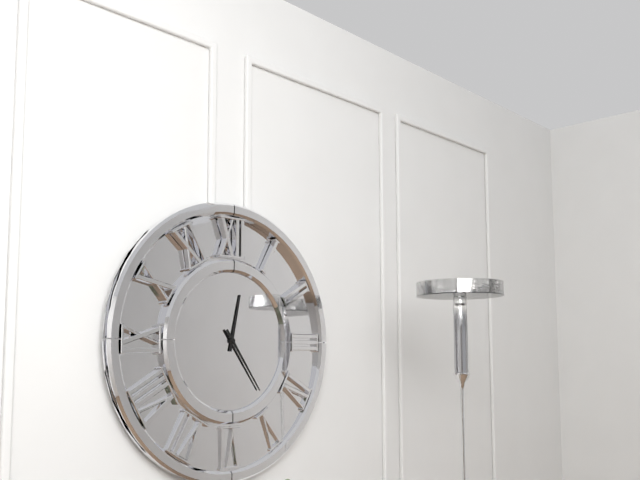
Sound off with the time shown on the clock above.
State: 12:24
